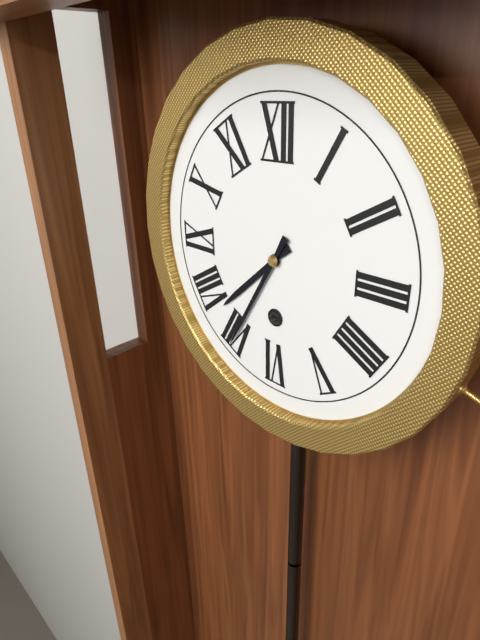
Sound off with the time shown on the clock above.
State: 7:35
